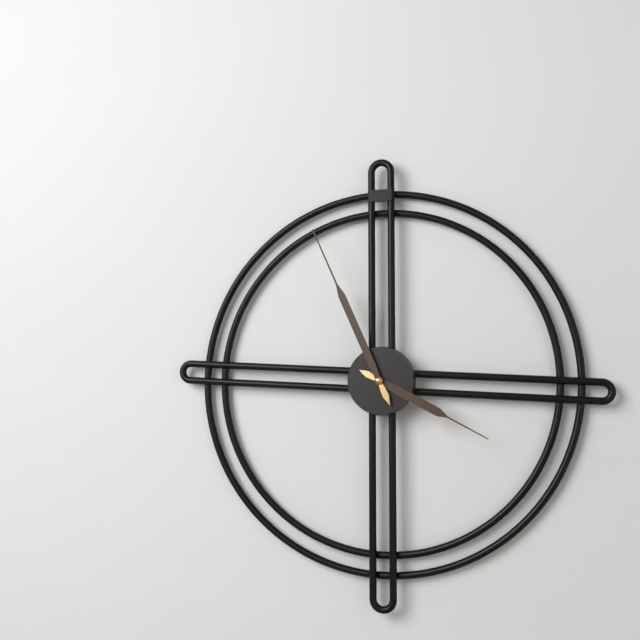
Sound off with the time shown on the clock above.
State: 3:56
